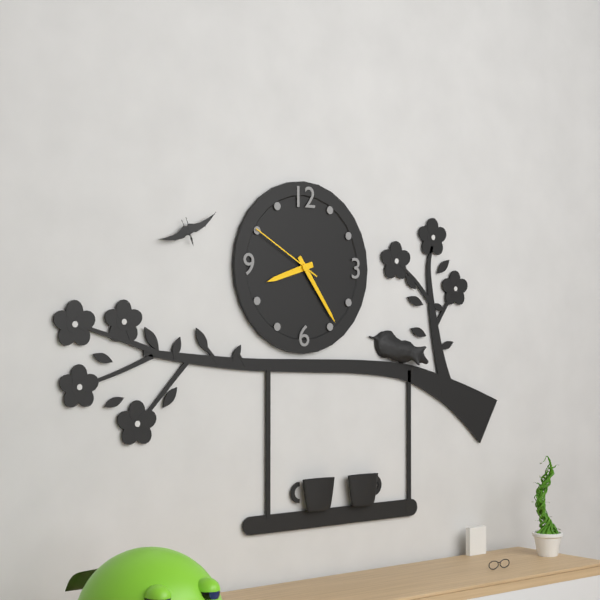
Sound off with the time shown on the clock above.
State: 8:24:50
